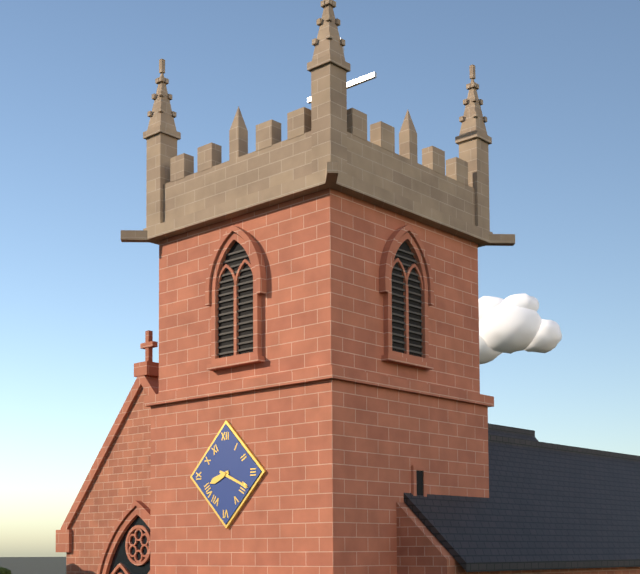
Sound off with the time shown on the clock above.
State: 8:19
